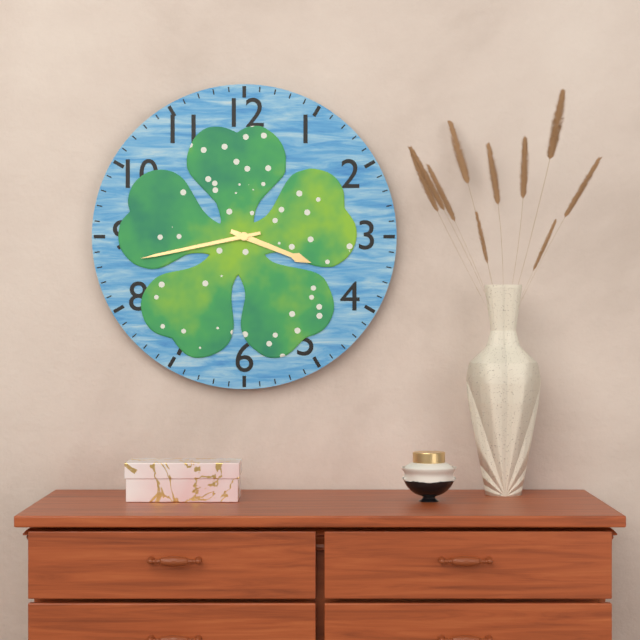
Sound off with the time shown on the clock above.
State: 3:43
